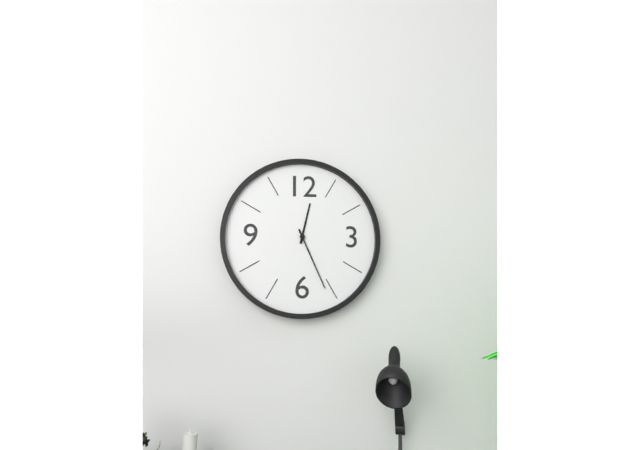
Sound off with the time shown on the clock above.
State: 12:26
